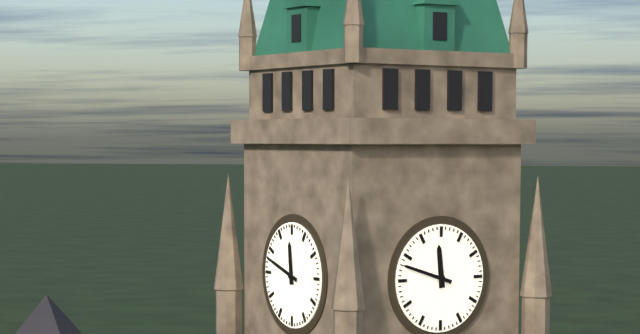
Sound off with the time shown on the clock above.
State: 11:48
